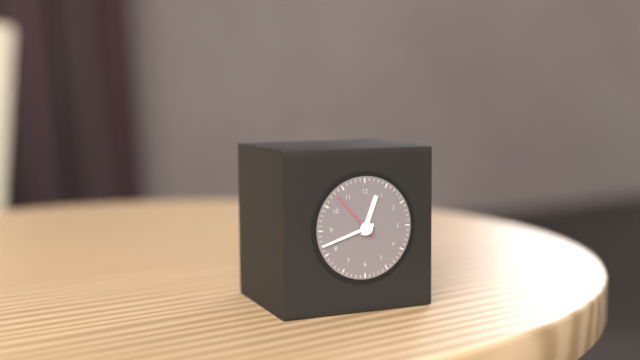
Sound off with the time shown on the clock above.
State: 12:42:53
